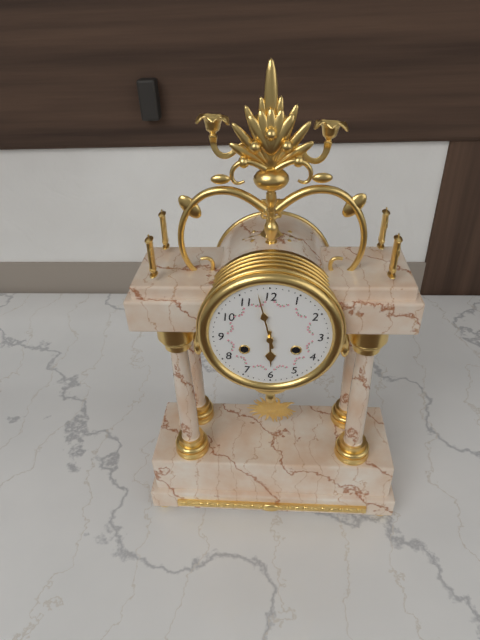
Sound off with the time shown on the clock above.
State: 5:58
